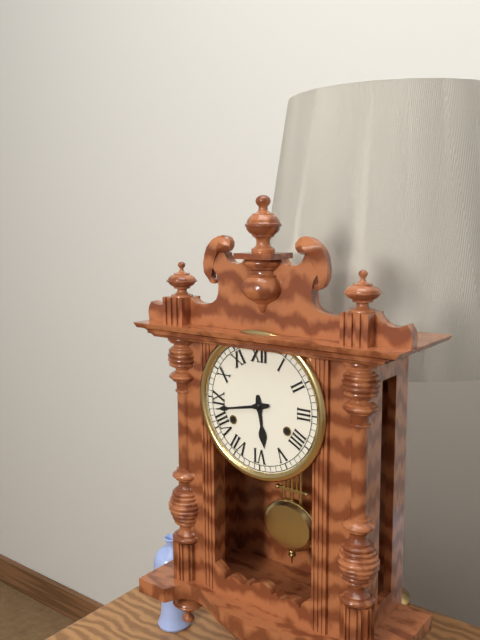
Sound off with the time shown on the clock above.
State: 5:43
